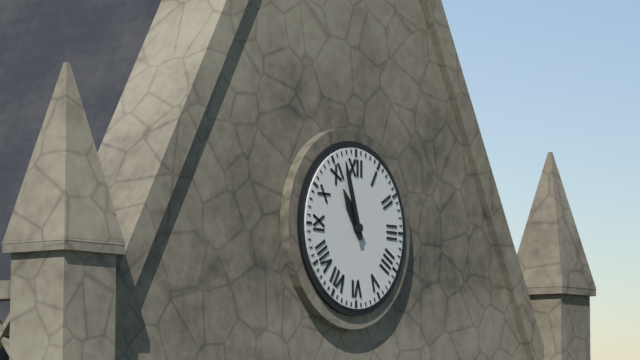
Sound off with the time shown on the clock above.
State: 10:57
